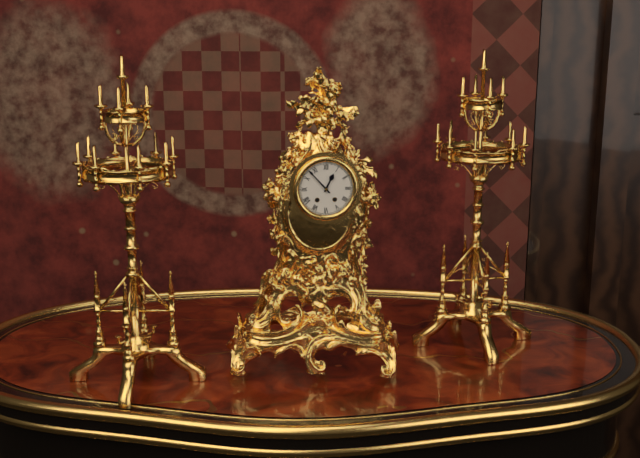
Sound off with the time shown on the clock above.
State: 12:53
